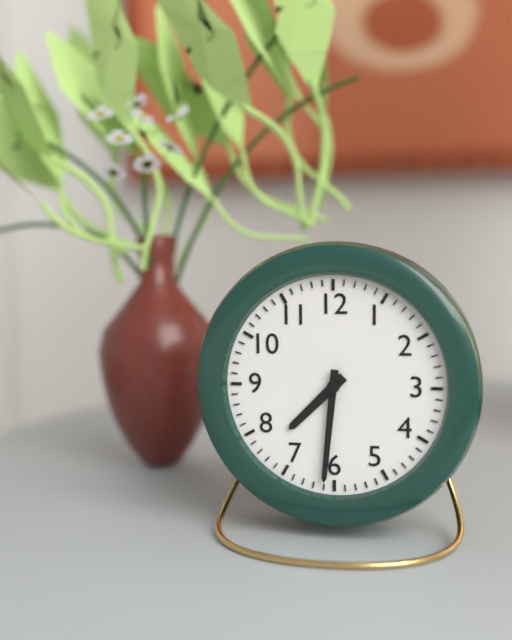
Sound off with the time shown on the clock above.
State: 7:31
